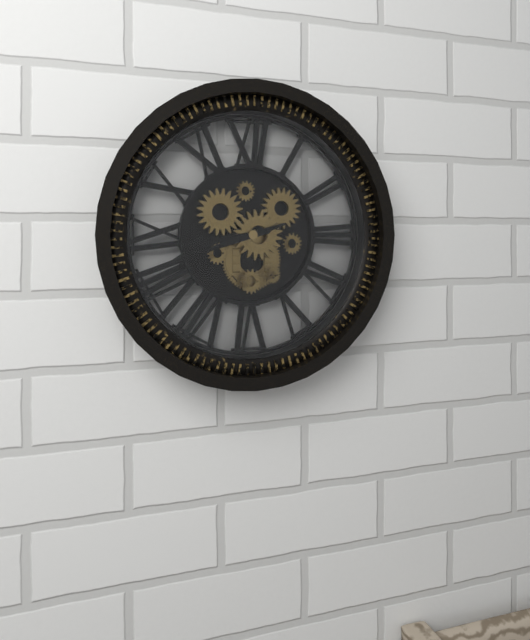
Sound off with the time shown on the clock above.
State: 8:42
